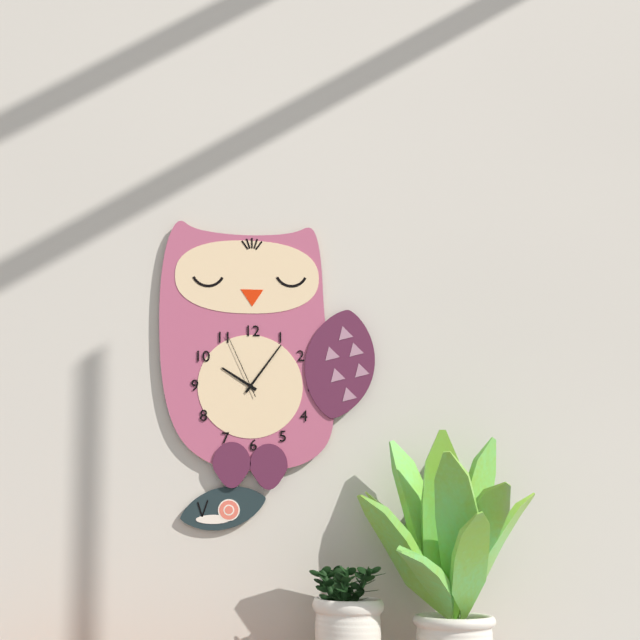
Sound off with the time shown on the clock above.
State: 10:06:56
